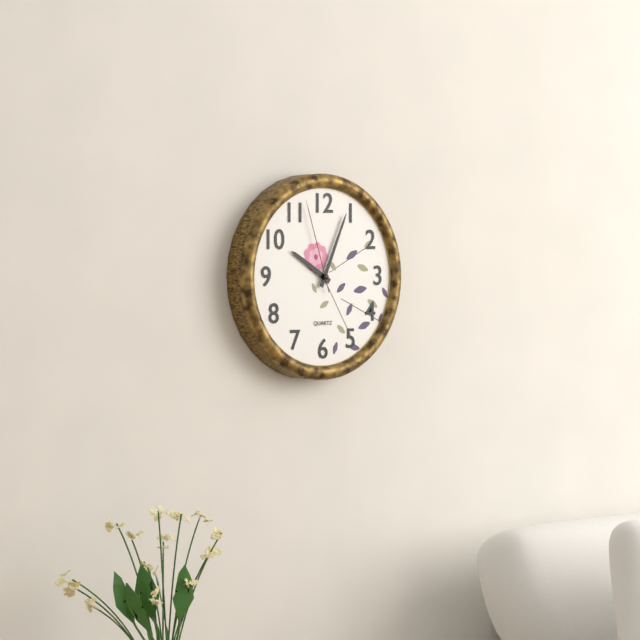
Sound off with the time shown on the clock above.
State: 10:04:57
